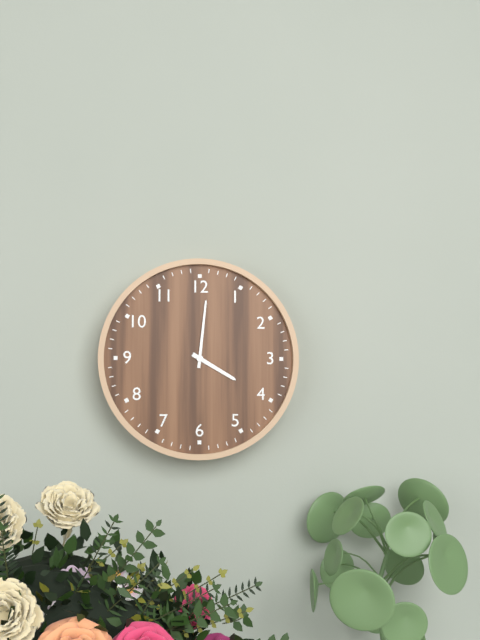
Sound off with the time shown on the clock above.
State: 4:01
